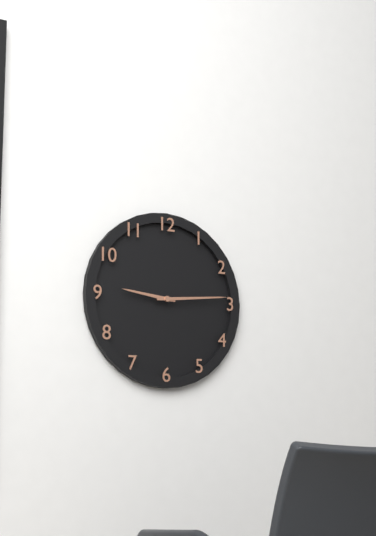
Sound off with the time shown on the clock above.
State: 9:14
